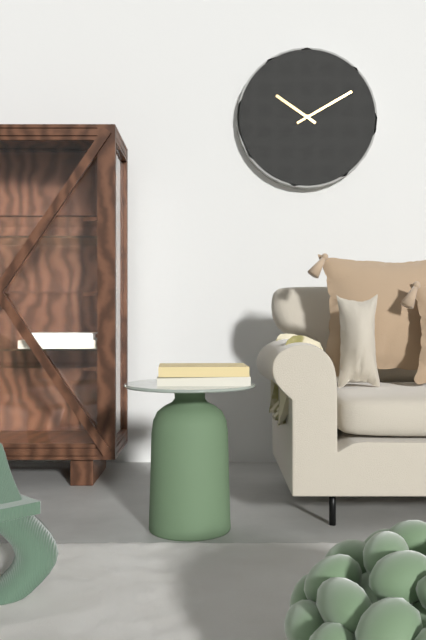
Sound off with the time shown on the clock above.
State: 10:10
